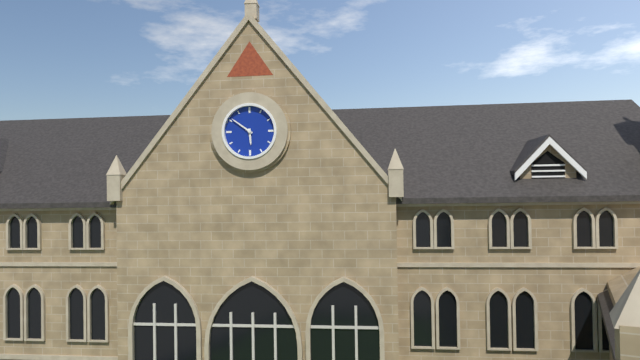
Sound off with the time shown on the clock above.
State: 5:51
